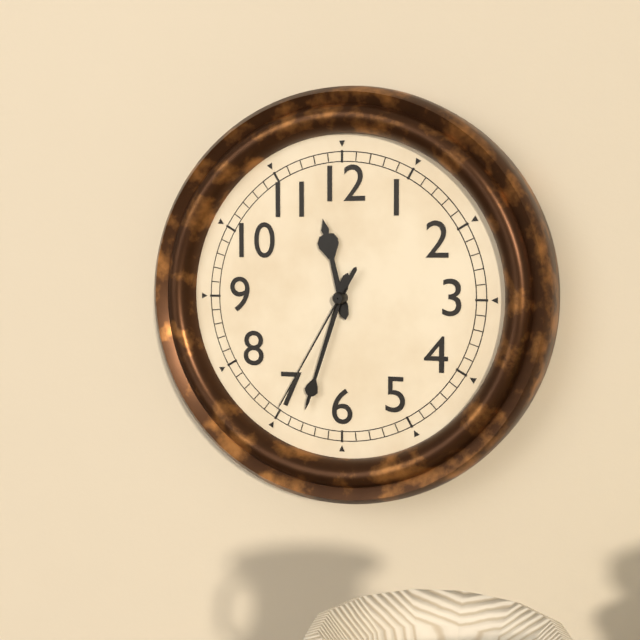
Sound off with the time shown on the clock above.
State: 11:33:35
